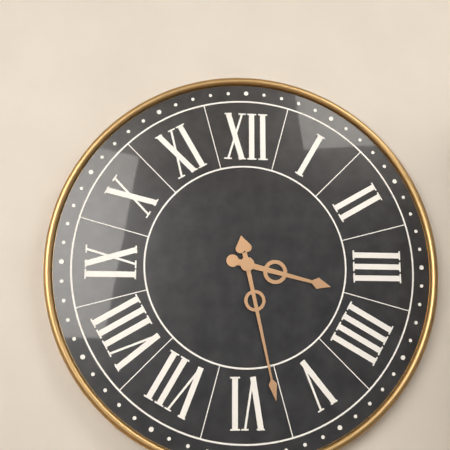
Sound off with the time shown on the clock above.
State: 3:28
